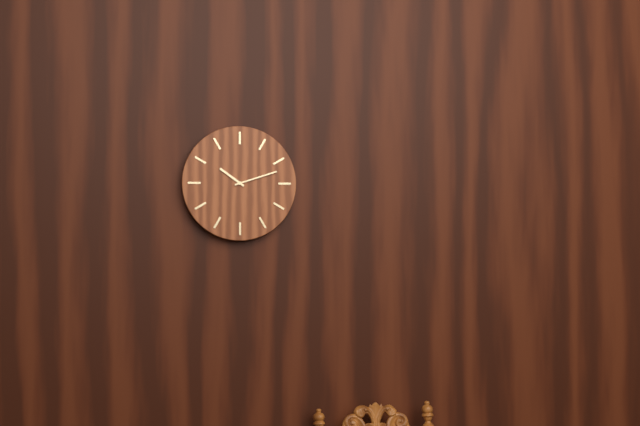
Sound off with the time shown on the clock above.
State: 10:12
